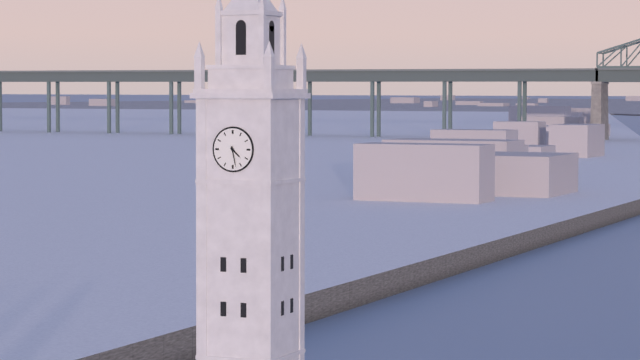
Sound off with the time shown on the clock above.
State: 4:28
